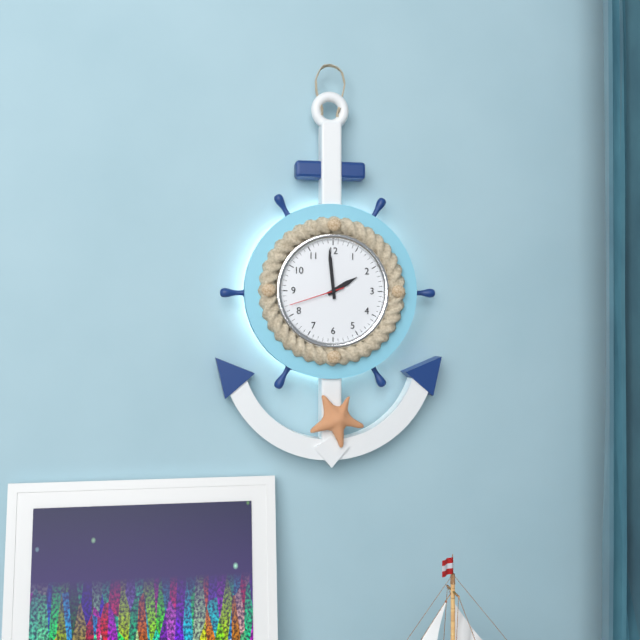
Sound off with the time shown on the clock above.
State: 1:59:42
